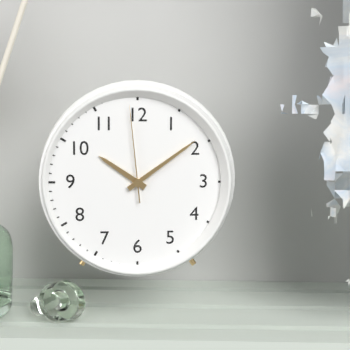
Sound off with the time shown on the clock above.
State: 10:09:59
